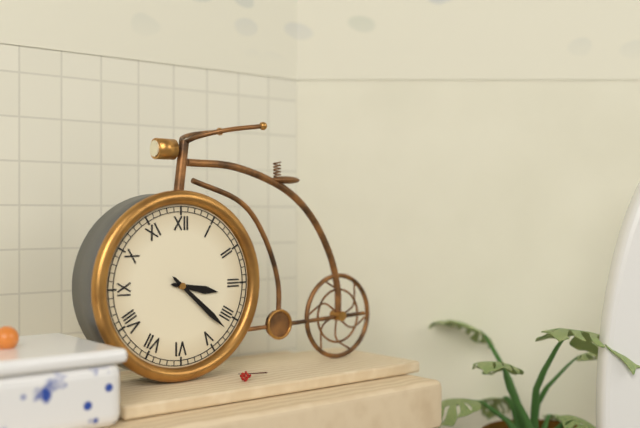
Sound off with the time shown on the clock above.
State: 3:22
